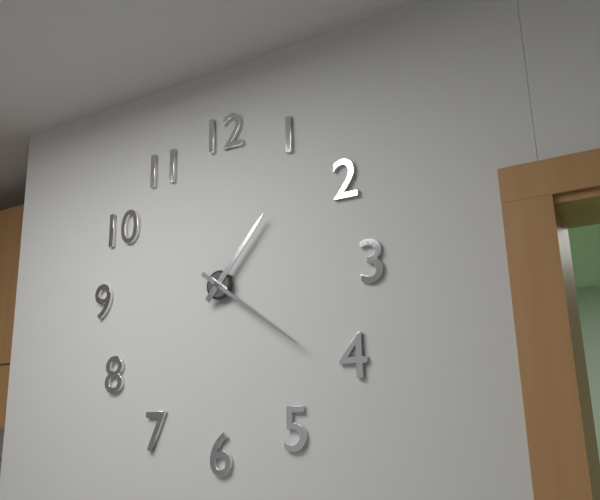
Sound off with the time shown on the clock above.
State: 1:21
